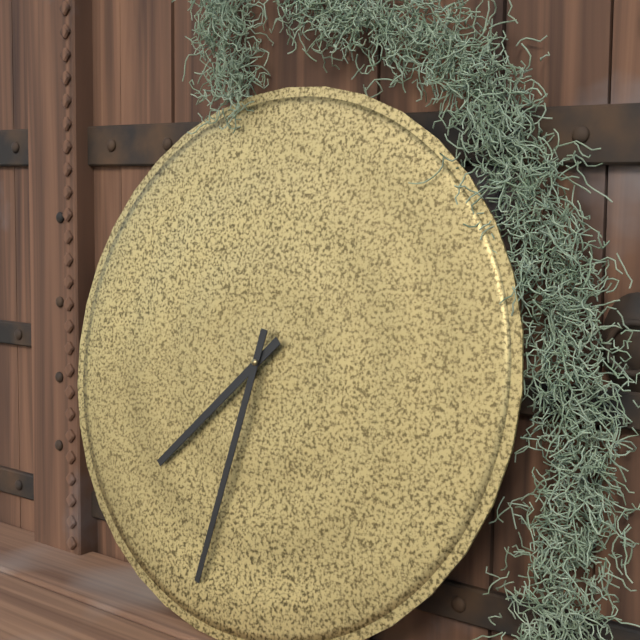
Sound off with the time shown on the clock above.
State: 7:32
